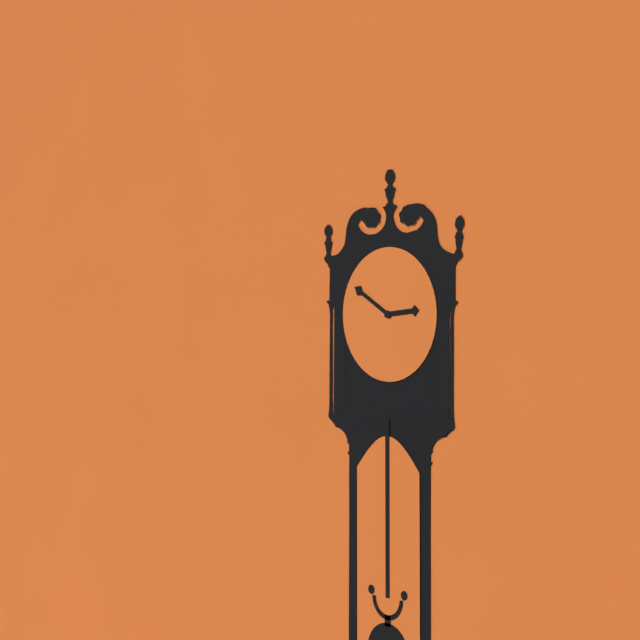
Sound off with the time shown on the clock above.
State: 2:50
